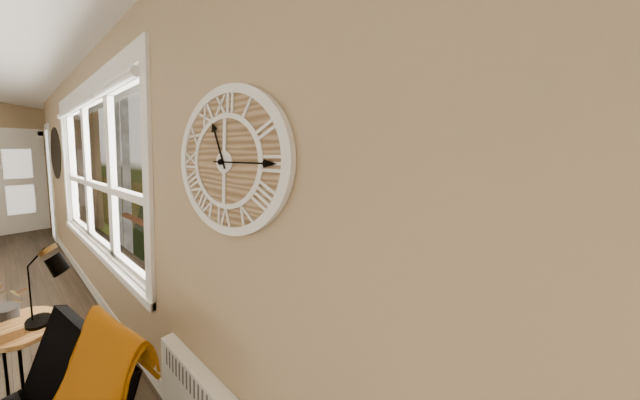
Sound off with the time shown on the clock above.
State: 11:15
